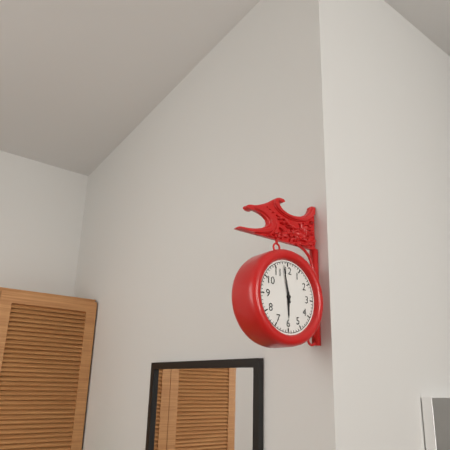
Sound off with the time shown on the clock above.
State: 5:58
